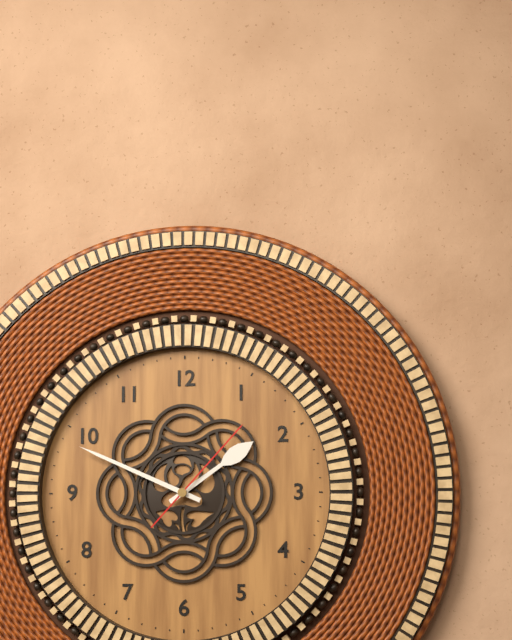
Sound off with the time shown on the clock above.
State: 1:49:07
